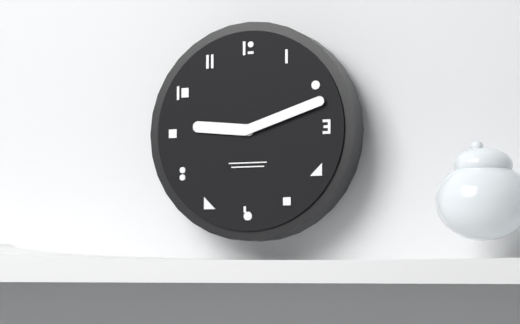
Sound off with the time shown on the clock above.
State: 9:12
